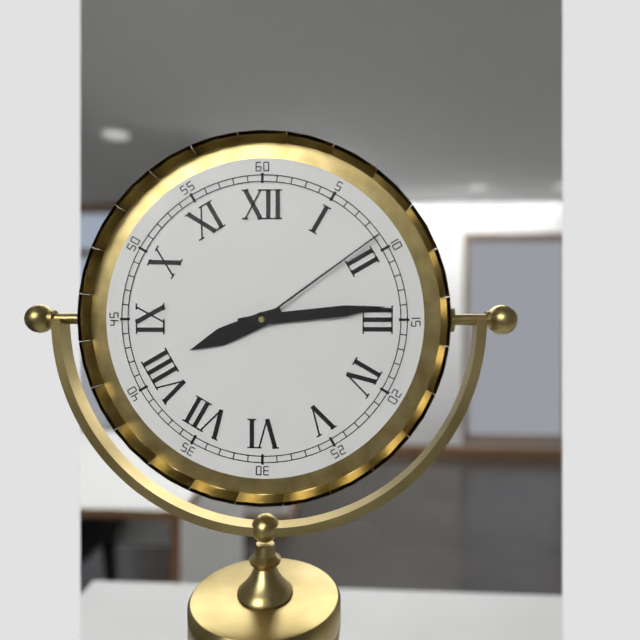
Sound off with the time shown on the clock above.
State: 8:14:09
